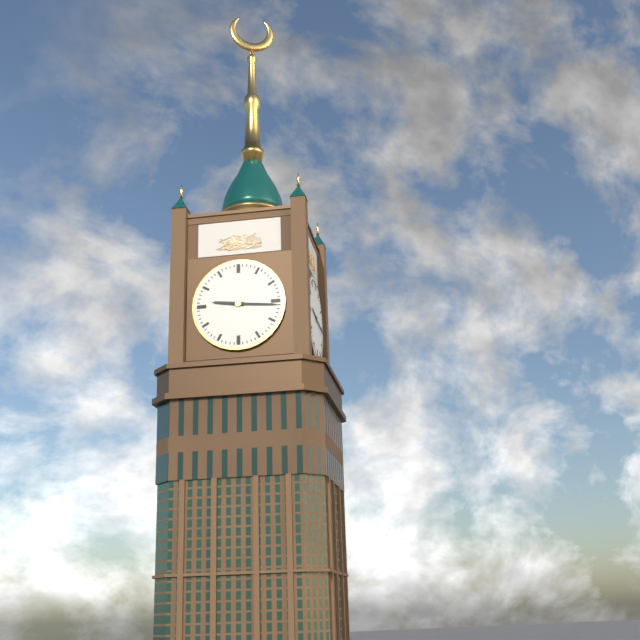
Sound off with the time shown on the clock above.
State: 9:16
